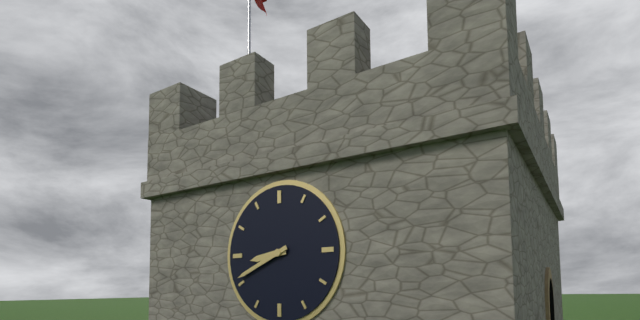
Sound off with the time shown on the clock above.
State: 8:41
